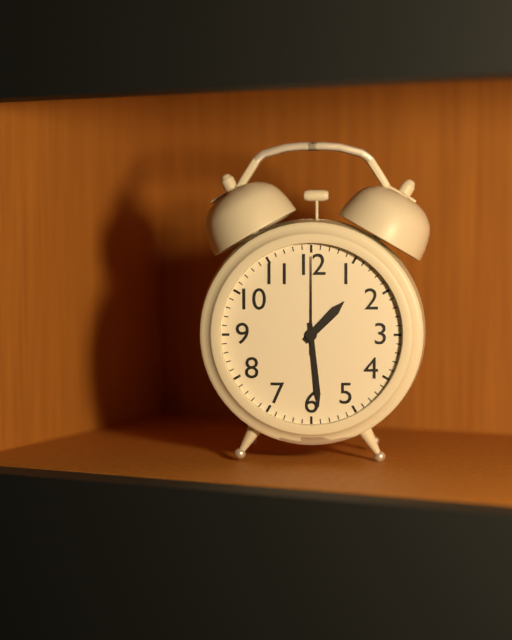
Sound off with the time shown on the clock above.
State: 1:29:00
